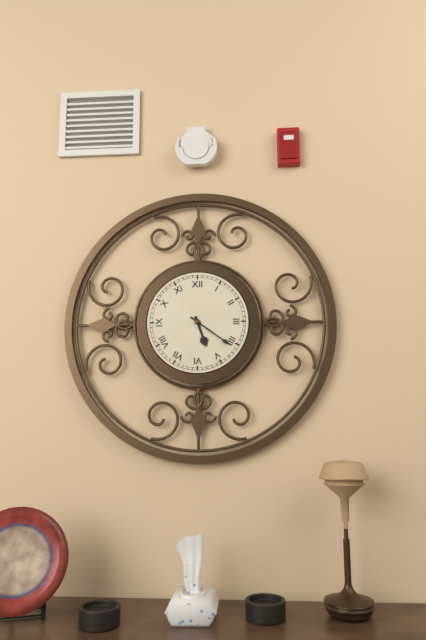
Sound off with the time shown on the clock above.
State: 5:21
